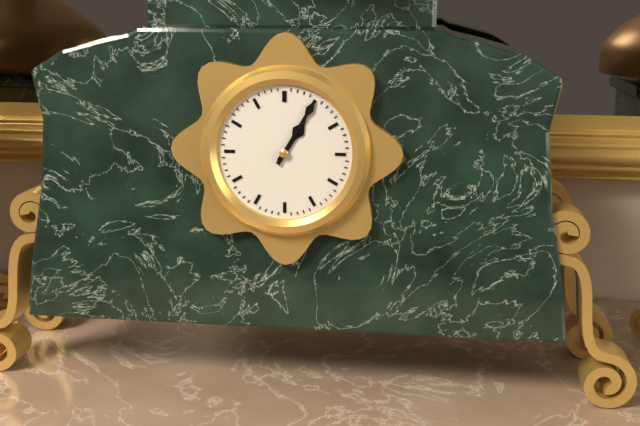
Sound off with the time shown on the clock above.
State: 1:05
